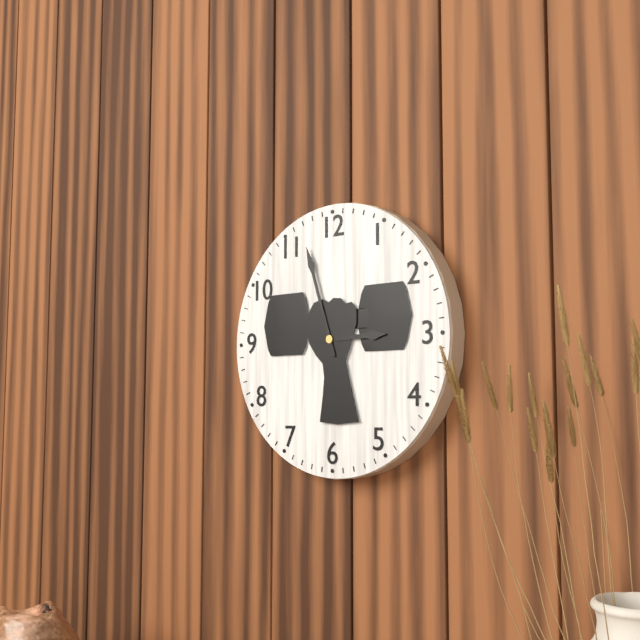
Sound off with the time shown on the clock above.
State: 2:57
